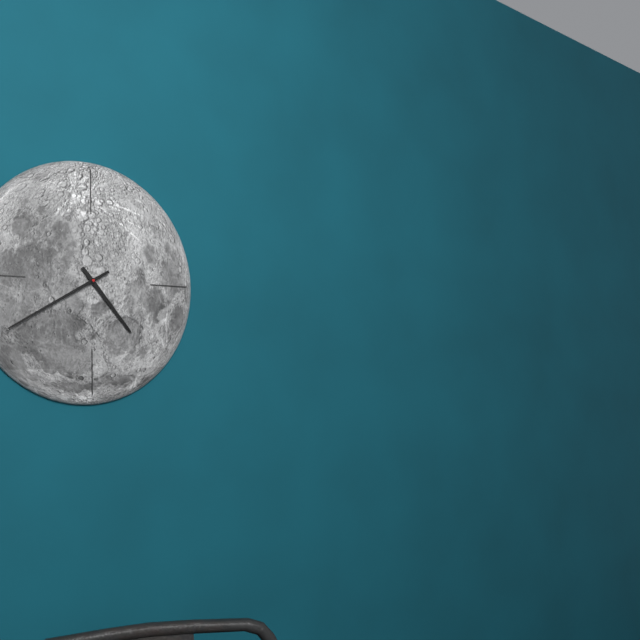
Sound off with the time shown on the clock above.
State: 4:40
